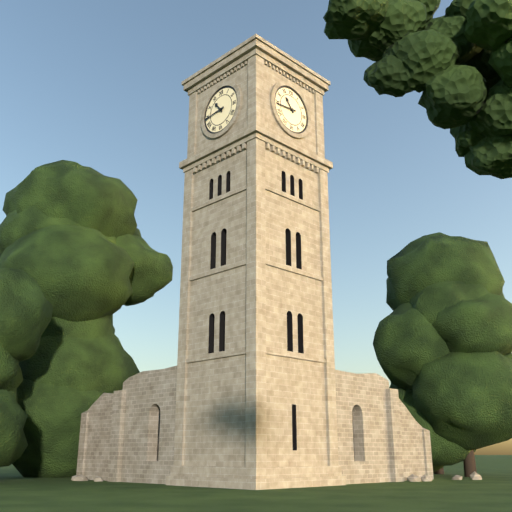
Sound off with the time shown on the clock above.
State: 10:44
